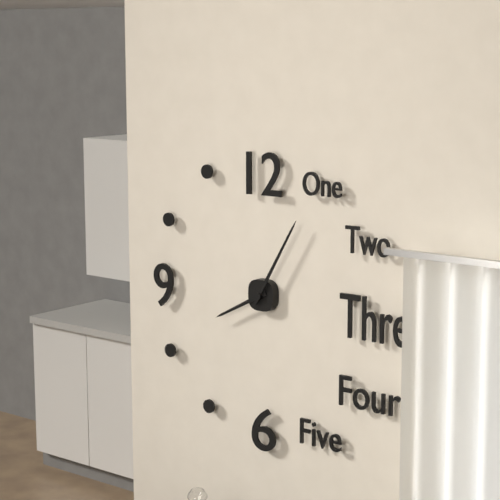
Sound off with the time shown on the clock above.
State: 8:05
